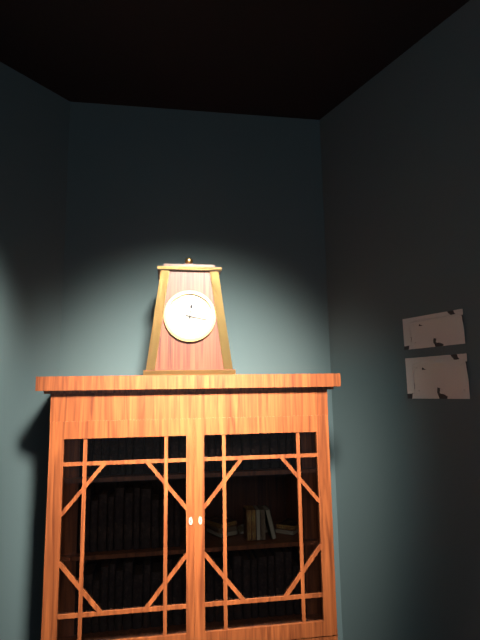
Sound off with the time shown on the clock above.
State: 12:17
